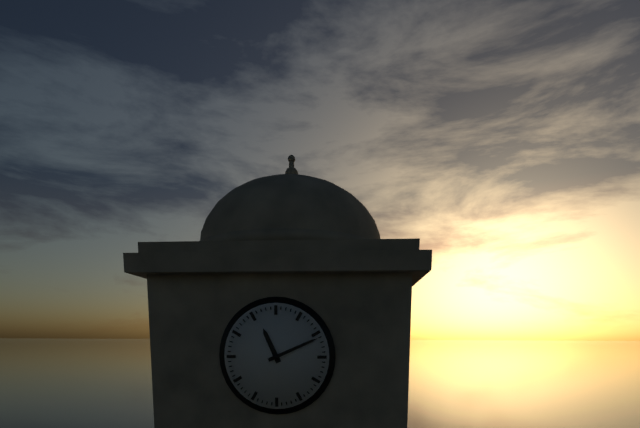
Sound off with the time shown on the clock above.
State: 11:11
